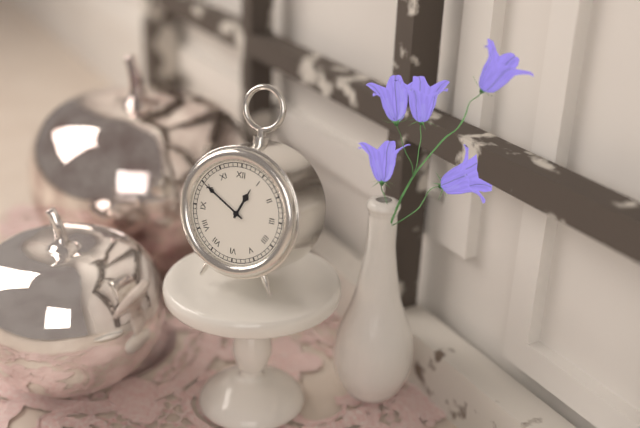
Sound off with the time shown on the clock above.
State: 12:50
